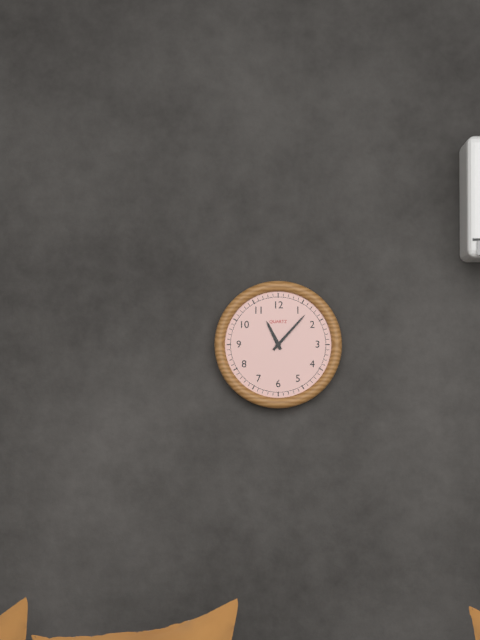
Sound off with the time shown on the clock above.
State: 11:07
